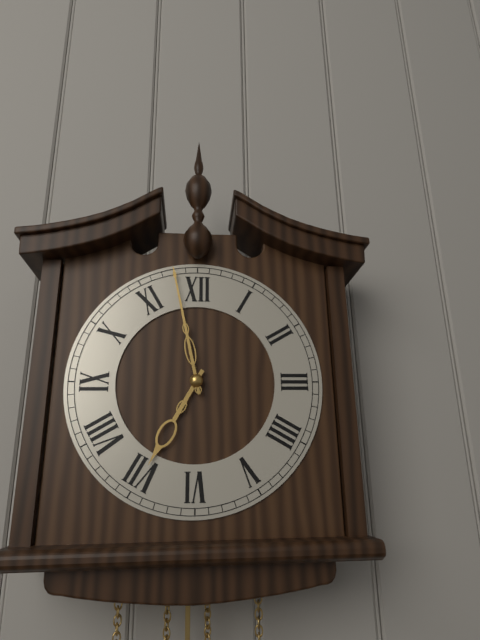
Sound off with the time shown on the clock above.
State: 6:58
